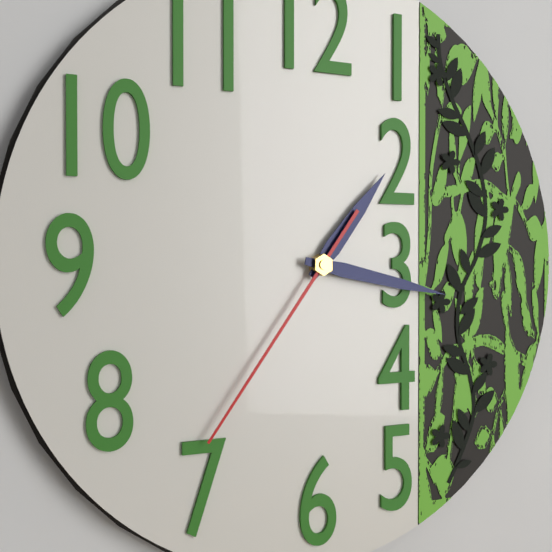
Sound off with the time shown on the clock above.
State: 1:17:36
